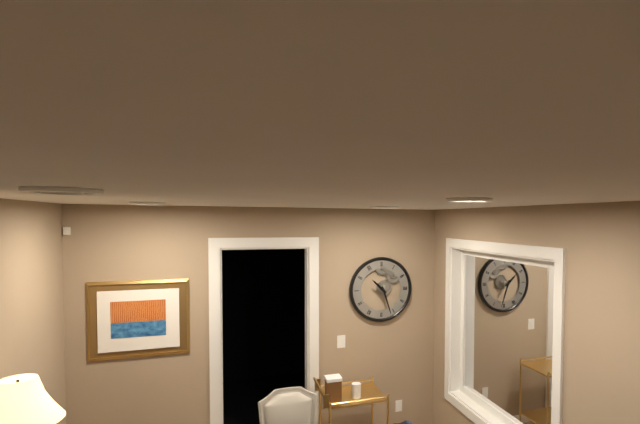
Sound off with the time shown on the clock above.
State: 10:27
